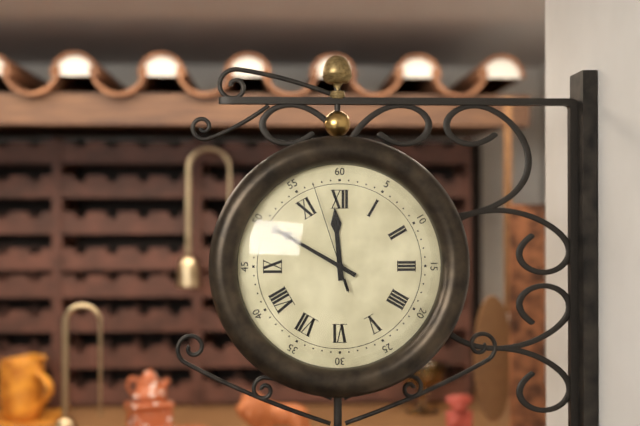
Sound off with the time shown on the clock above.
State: 11:50:57
